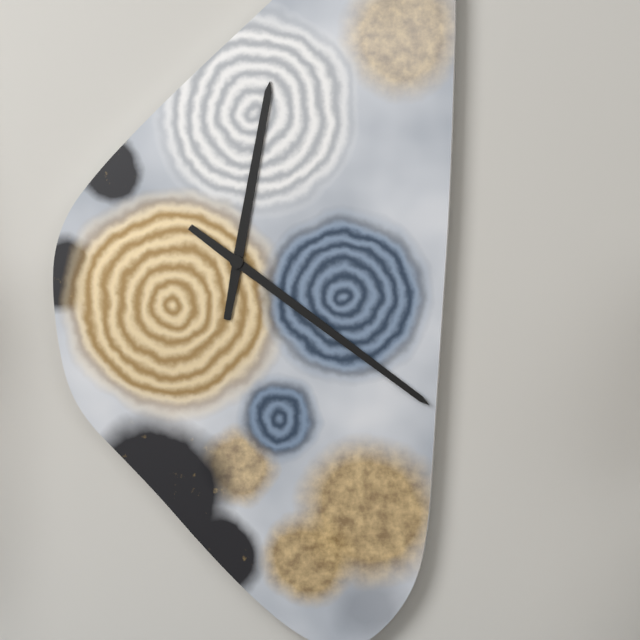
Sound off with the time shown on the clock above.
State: 12:21
